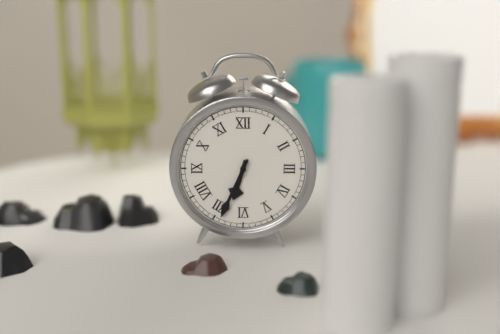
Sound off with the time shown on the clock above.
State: 6:34
